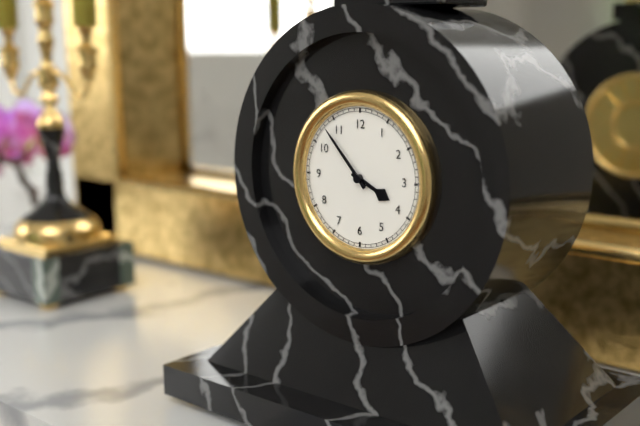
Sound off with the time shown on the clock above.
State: 3:53
